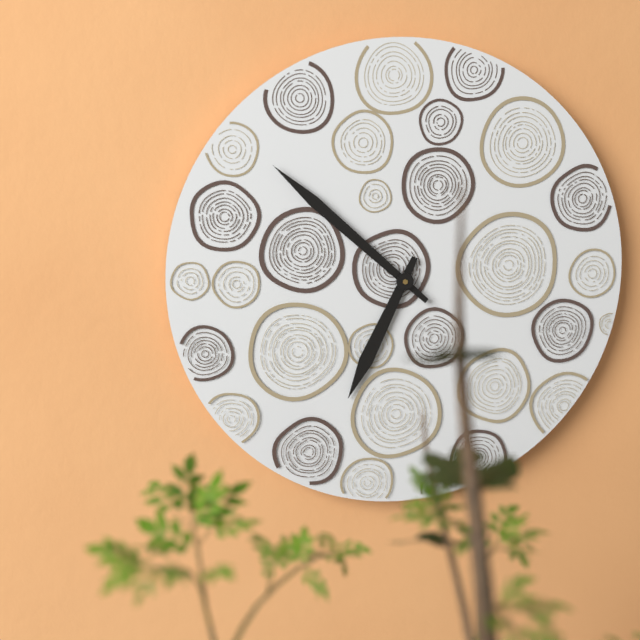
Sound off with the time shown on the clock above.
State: 6:52
